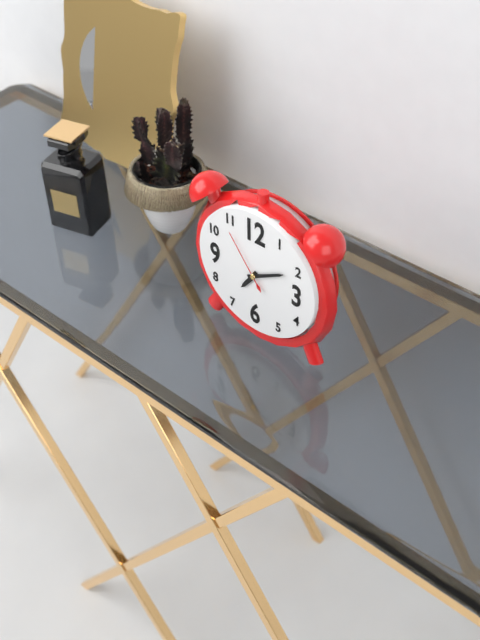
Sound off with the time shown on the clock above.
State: 7:10:54
